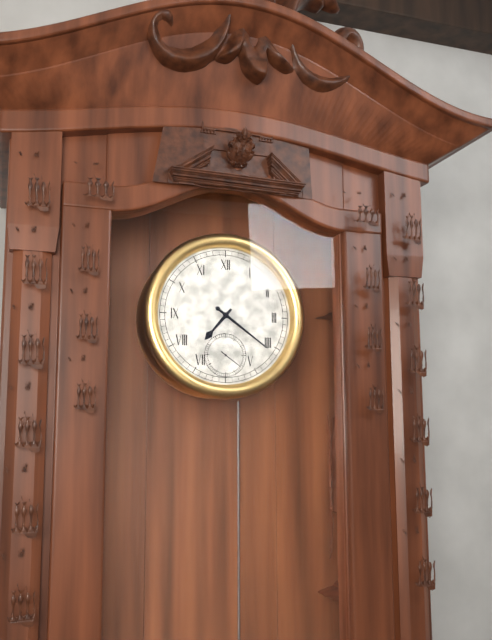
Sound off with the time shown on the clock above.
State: 7:21
